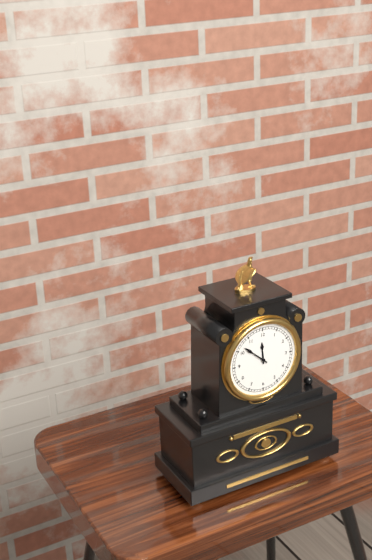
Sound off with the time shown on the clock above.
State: 11:52
